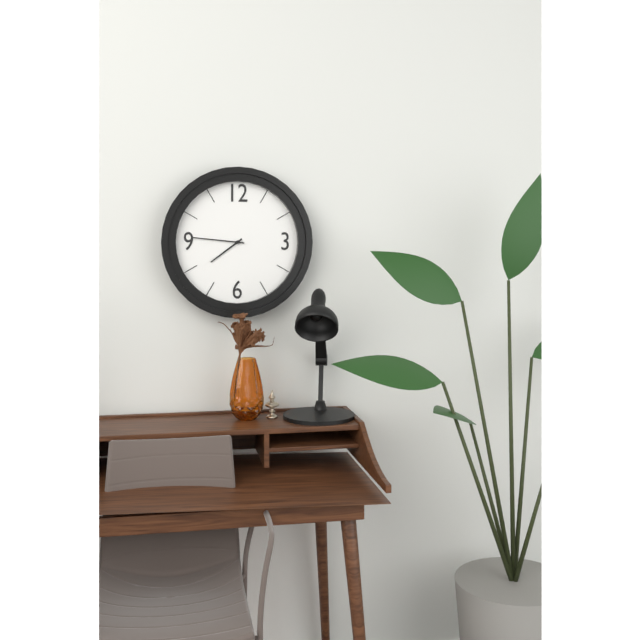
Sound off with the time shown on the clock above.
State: 7:46
